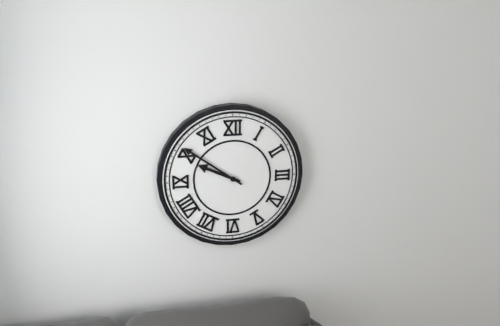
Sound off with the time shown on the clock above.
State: 9:51
